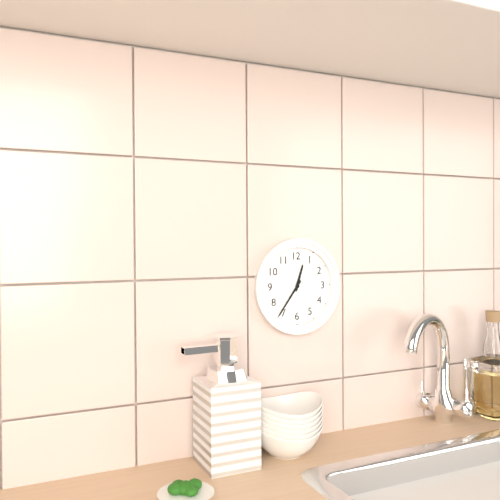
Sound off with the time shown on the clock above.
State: 12:36
